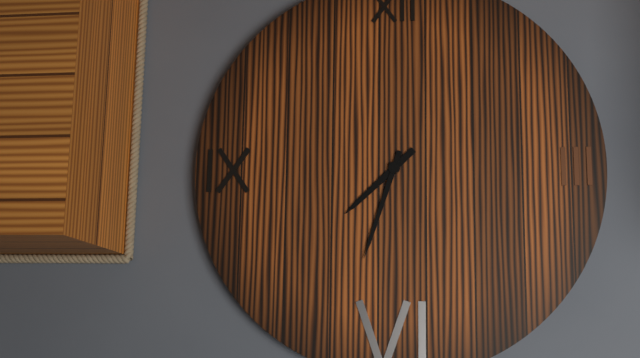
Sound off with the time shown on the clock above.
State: 7:33
